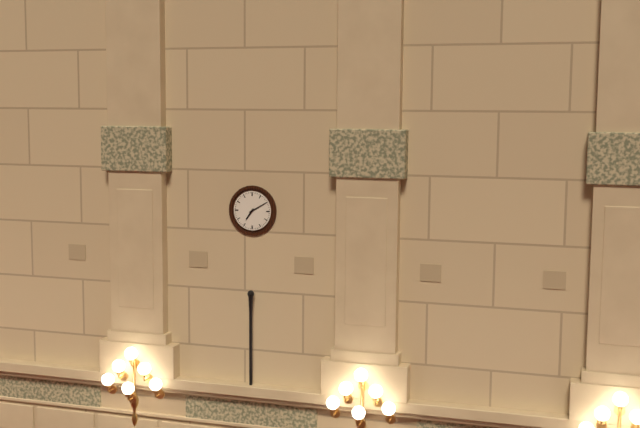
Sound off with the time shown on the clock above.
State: 7:10
